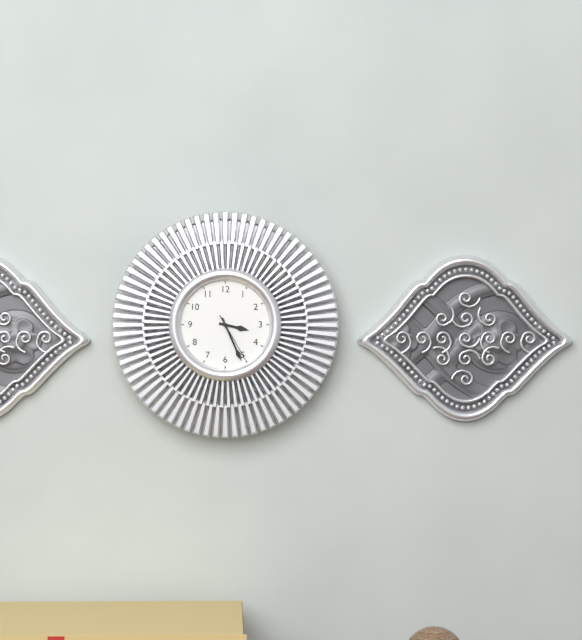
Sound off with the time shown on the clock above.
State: 3:26:25
